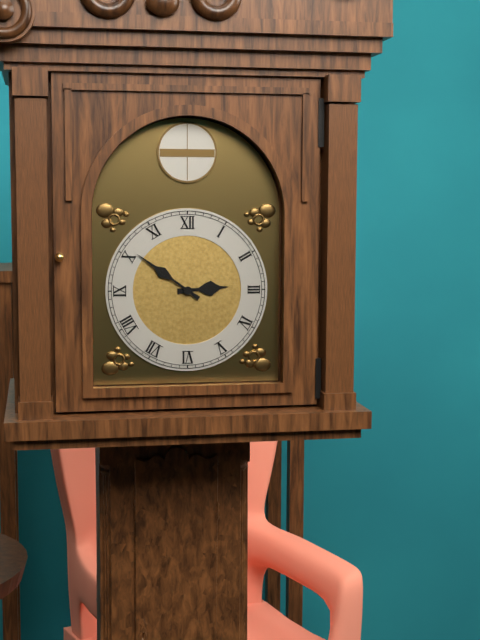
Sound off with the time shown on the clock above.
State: 2:51
